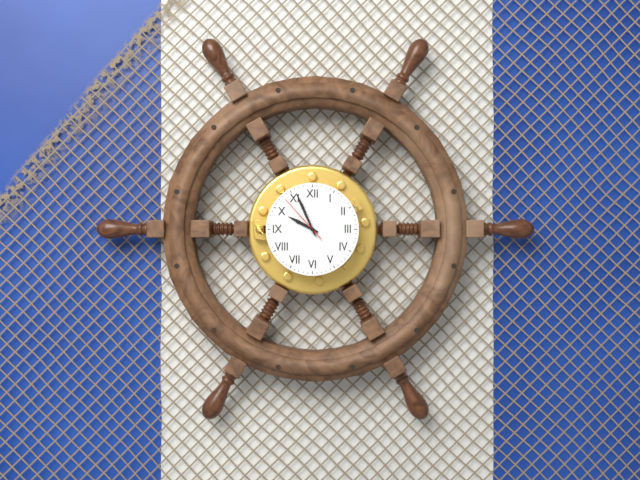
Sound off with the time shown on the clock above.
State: 9:56:53
